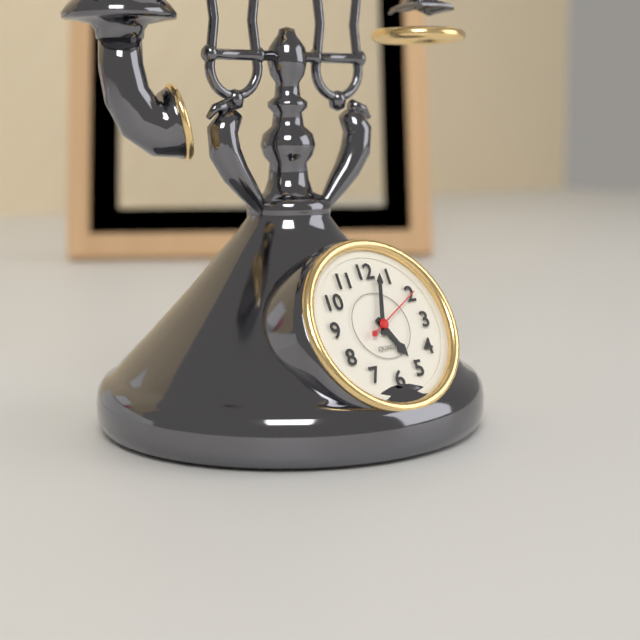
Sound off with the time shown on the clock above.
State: 5:03:10
